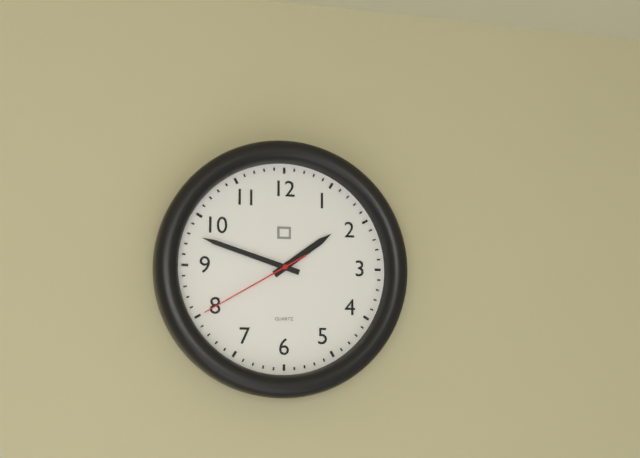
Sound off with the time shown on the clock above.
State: 1:48:40
